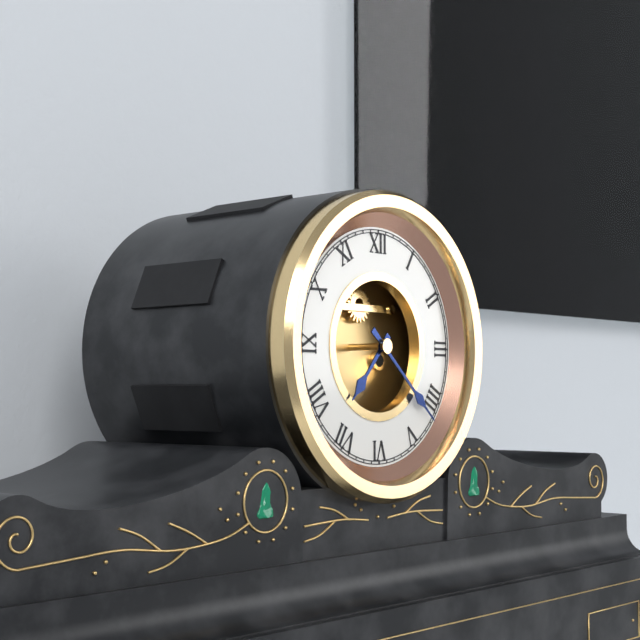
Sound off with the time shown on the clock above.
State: 7:22
